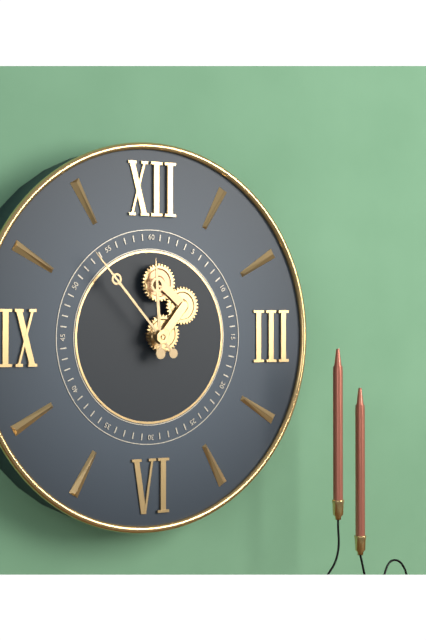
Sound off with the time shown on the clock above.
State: 11:53
